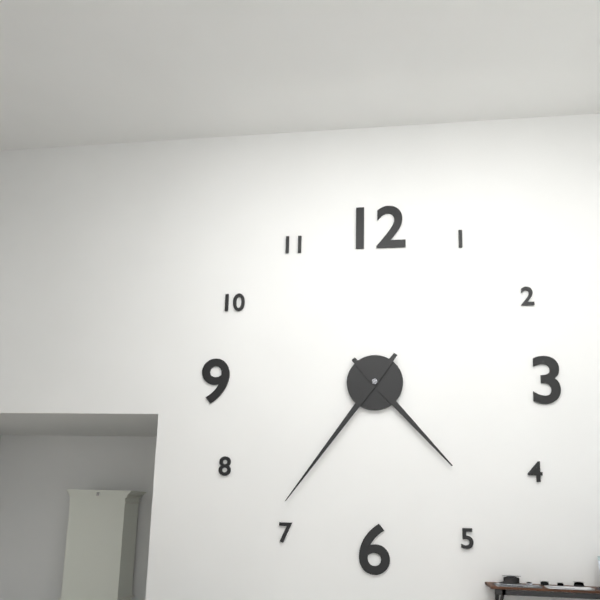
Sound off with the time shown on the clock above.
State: 4:36
